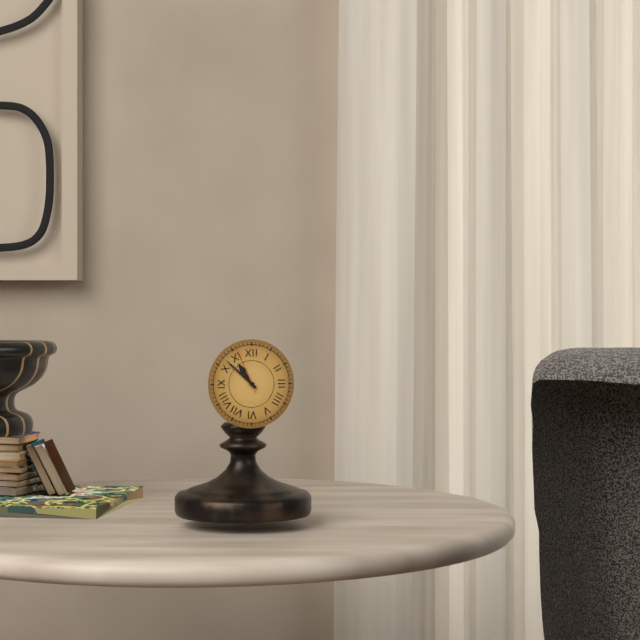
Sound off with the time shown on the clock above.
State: 10:52:56
